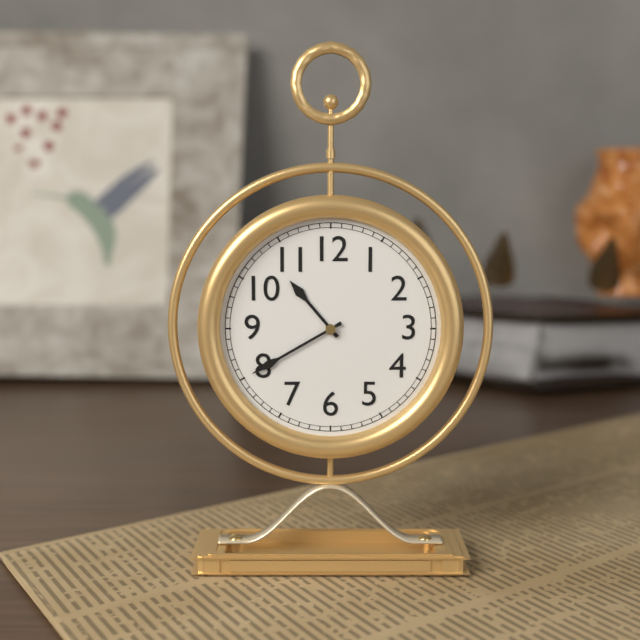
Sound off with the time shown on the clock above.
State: 10:40
